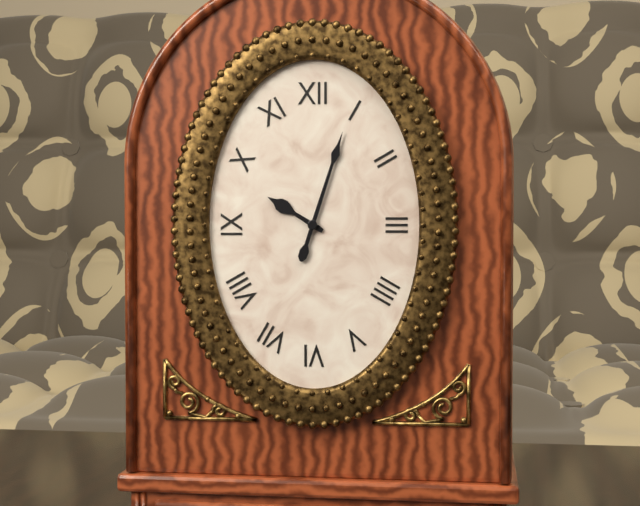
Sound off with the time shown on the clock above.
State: 10:03
